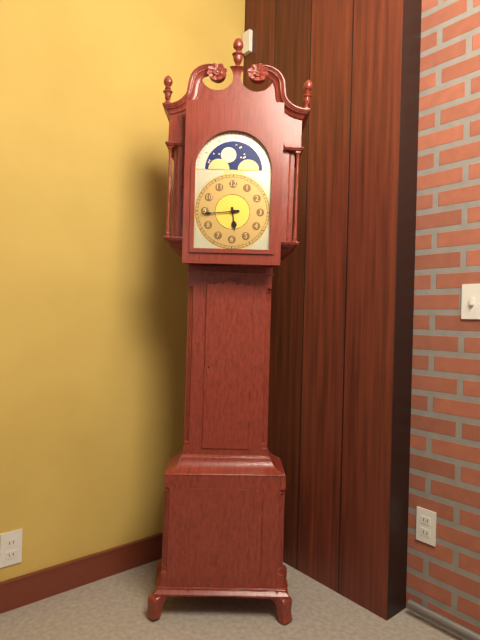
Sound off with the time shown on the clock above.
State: 5:44
